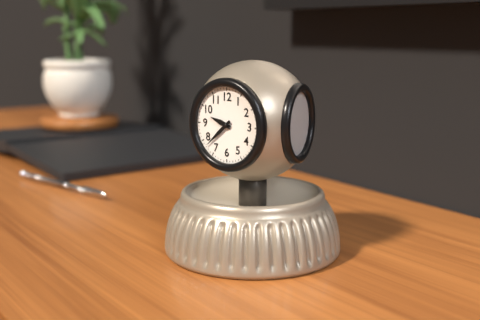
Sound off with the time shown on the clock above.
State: 9:38
